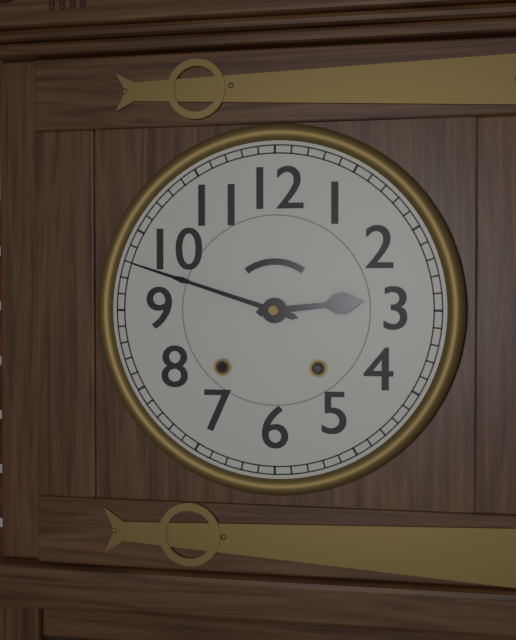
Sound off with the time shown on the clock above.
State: 2:48
